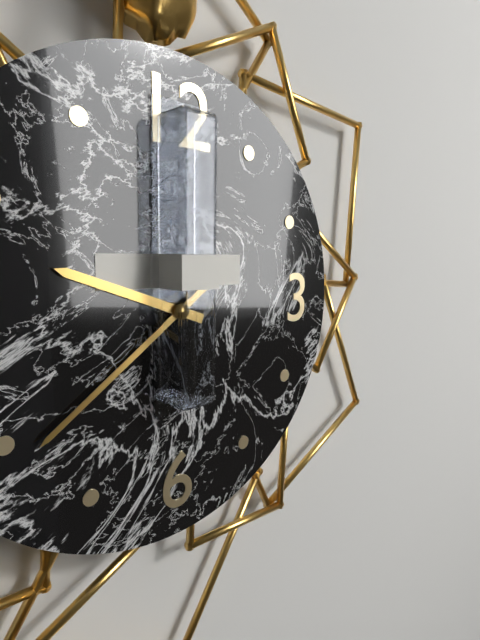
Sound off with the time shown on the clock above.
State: 9:39
